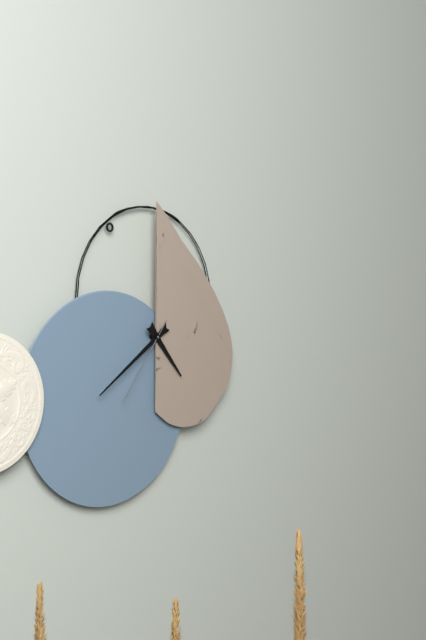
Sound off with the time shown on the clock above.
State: 4:39:36
